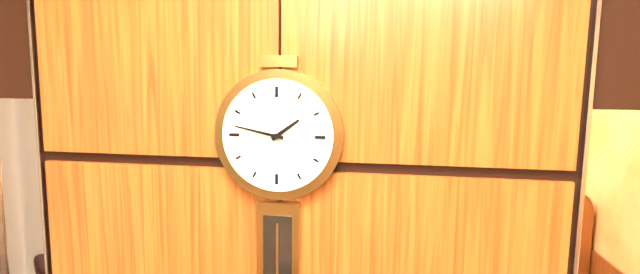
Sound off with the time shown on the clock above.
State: 1:47
